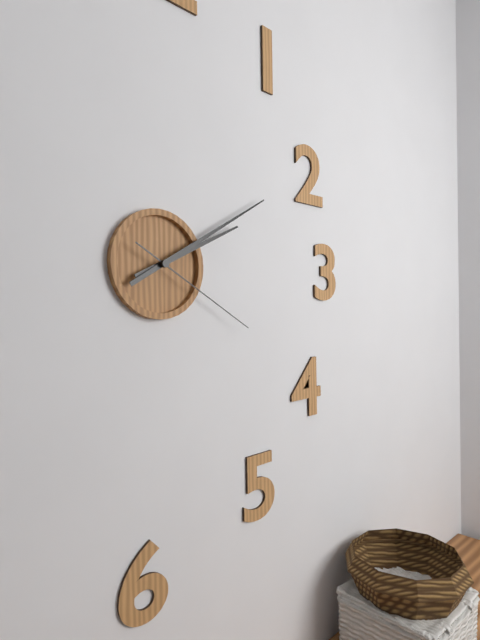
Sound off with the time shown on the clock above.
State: 2:10:20
